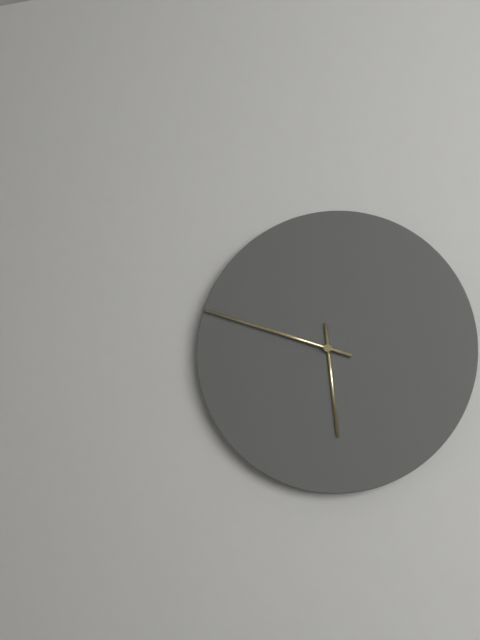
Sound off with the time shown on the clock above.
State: 5:48
